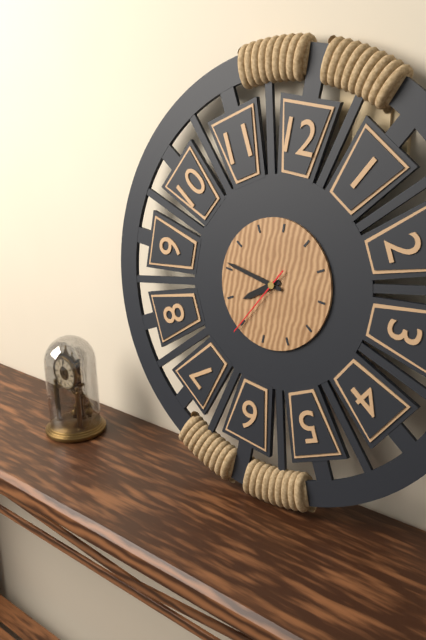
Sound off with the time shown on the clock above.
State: 7:46:35
